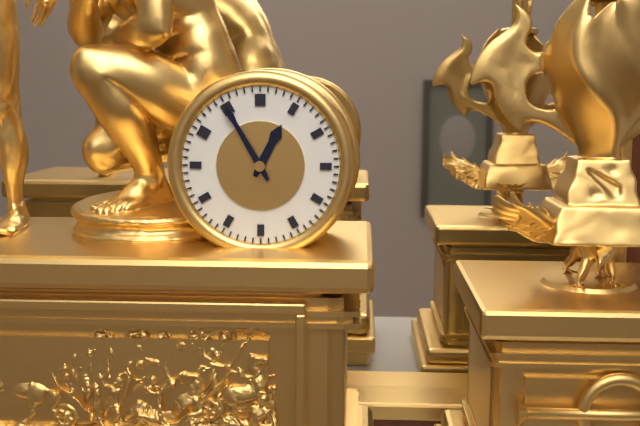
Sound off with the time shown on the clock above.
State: 12:55
